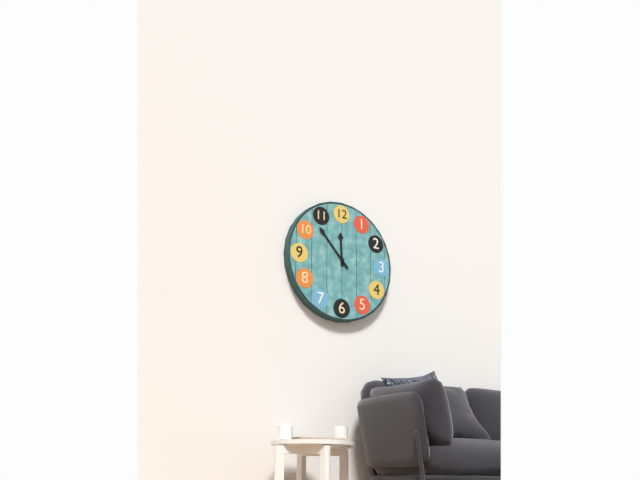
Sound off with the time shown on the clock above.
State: 11:53
